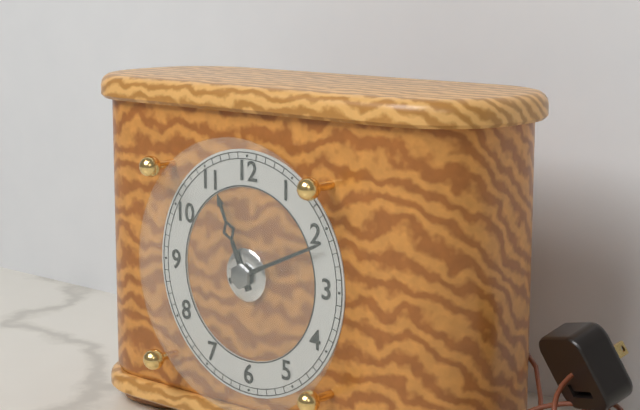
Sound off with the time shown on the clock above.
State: 11:11
